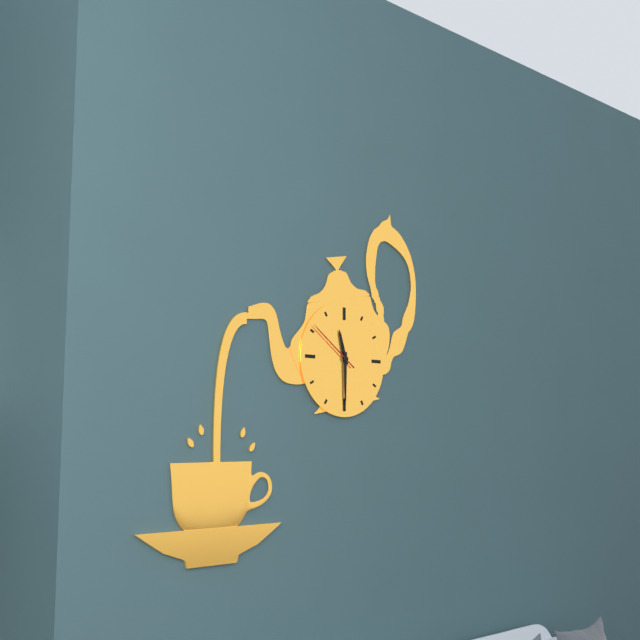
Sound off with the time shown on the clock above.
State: 11:30:51
